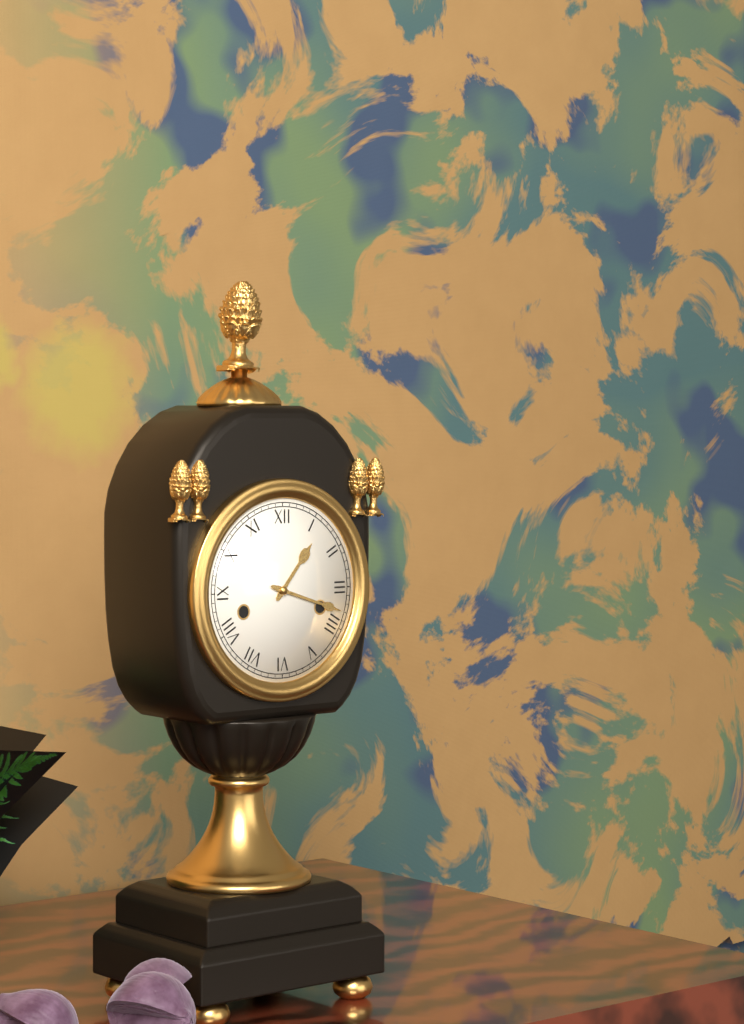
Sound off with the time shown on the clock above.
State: 1:18
